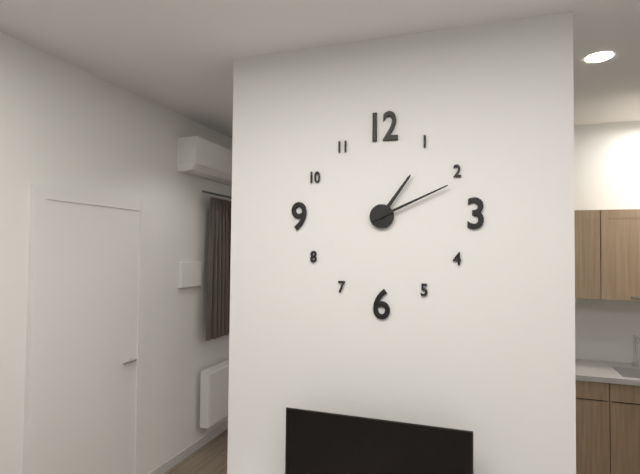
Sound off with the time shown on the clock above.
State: 1:11
